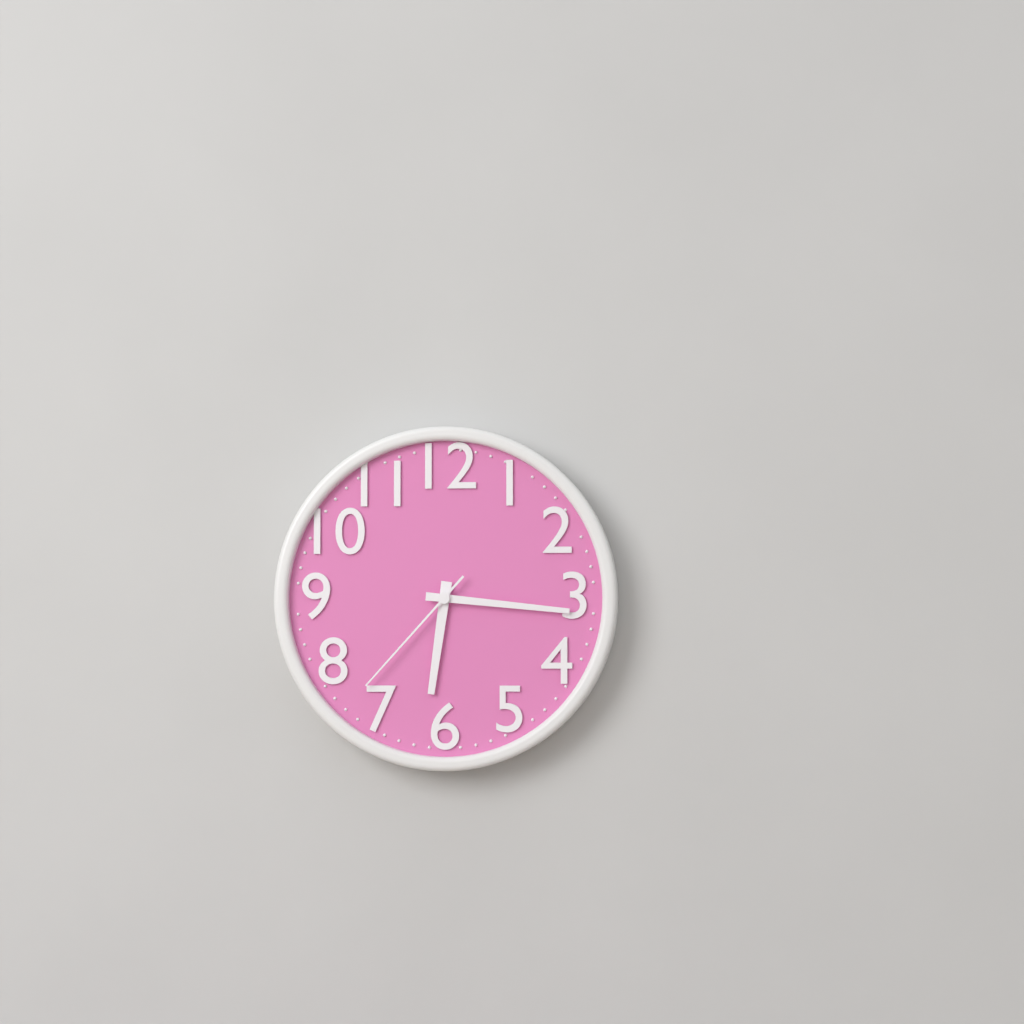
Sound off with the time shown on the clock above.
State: 6:16:37
